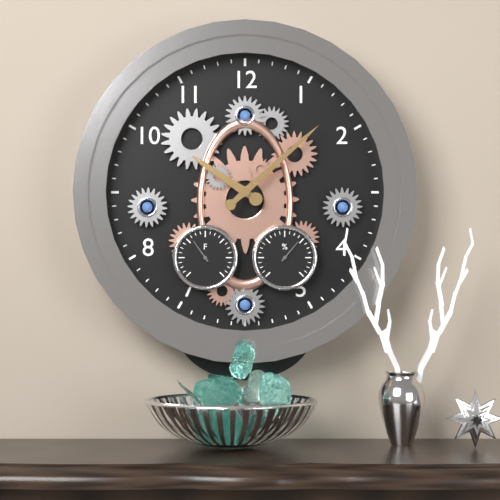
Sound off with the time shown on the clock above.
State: 10:08
